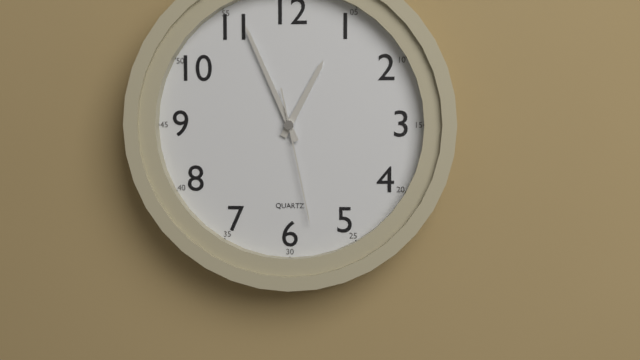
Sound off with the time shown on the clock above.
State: 12:56:28
